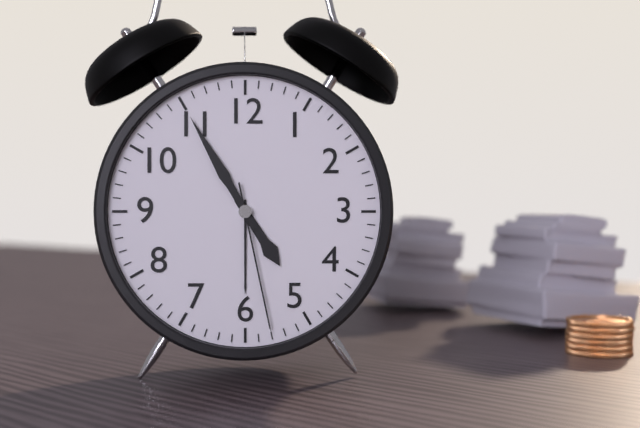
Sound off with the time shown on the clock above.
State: 4:55:28
